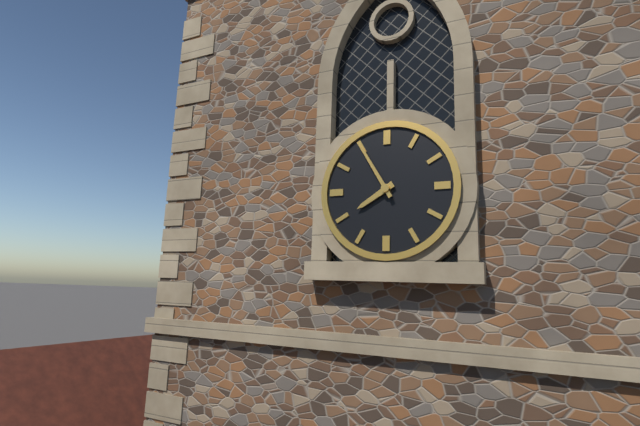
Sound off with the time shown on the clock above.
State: 7:55
